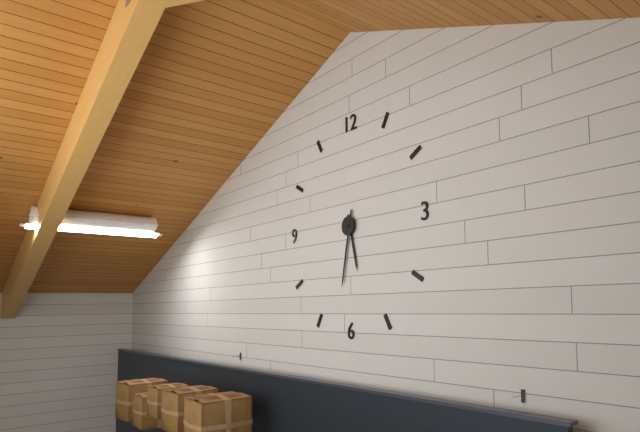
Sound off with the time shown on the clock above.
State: 5:32
